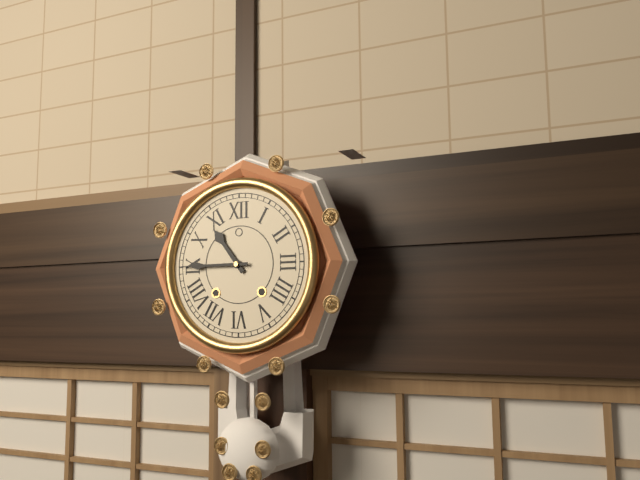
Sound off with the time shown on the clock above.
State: 10:45
